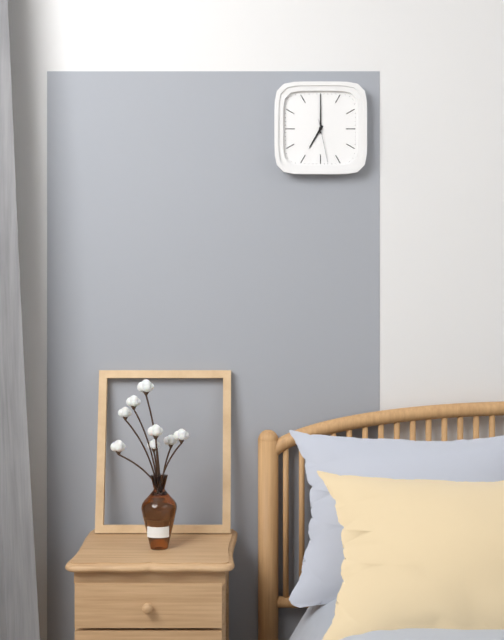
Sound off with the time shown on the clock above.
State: 7:00
